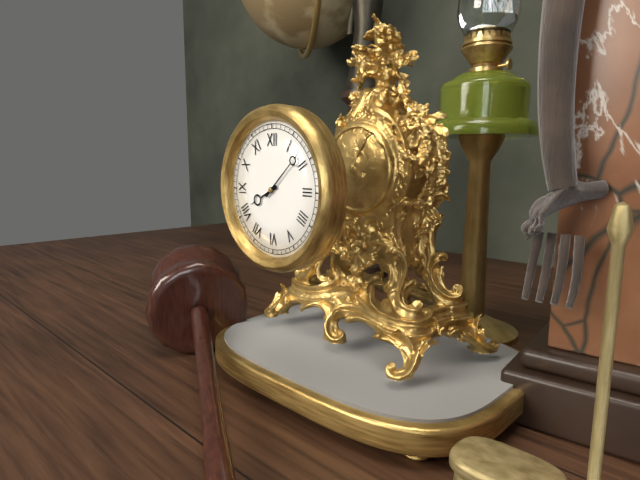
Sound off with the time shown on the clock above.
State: 8:08
